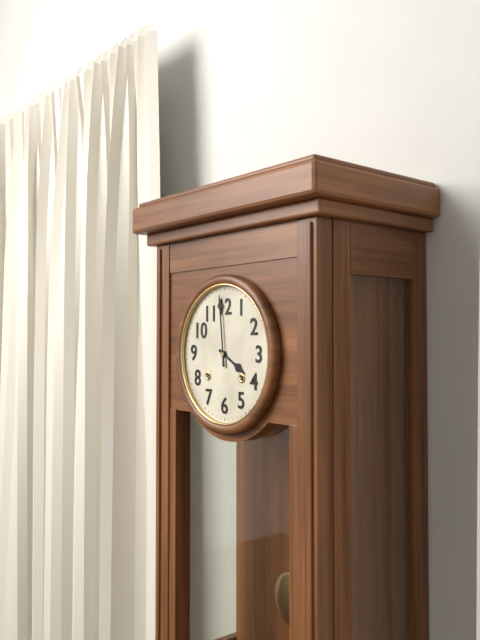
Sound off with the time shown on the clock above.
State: 3:59
